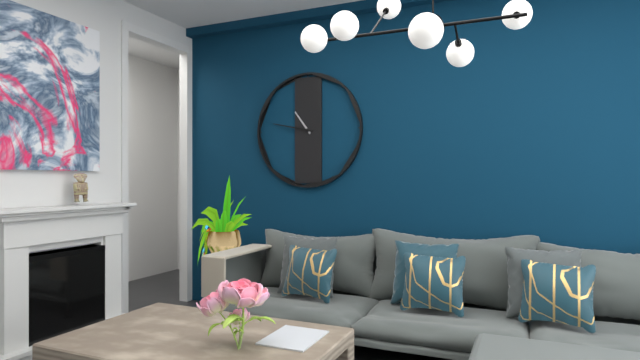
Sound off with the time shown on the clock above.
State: 10:47
